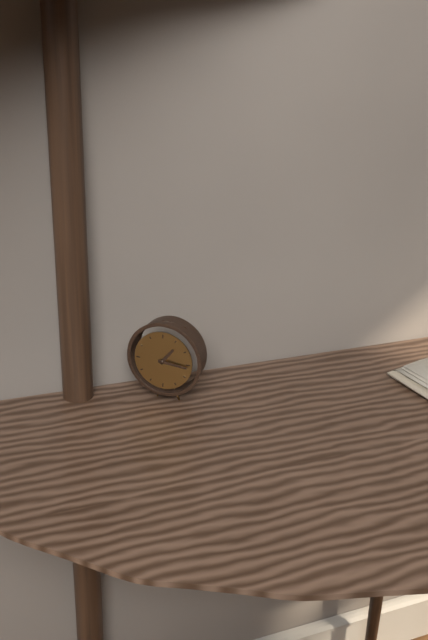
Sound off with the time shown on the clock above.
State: 1:16
